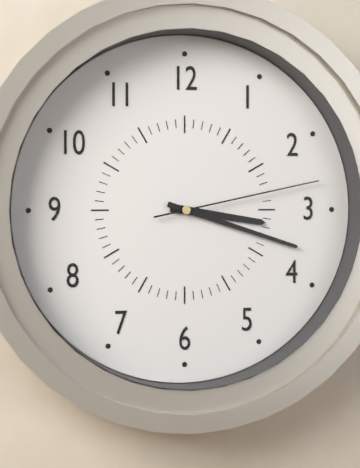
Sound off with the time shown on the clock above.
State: 3:18:13
